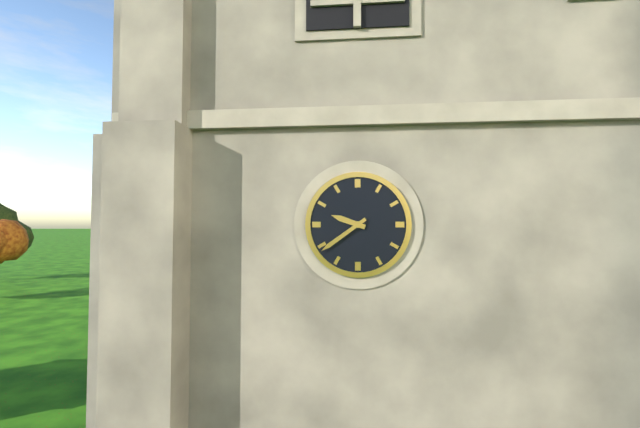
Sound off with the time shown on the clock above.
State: 9:39
